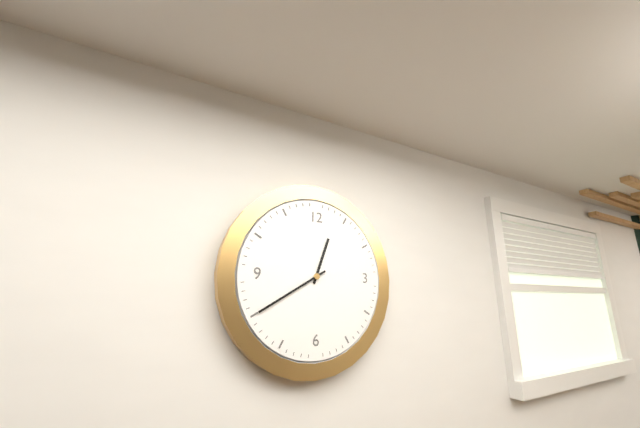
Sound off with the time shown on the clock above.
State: 12:40
